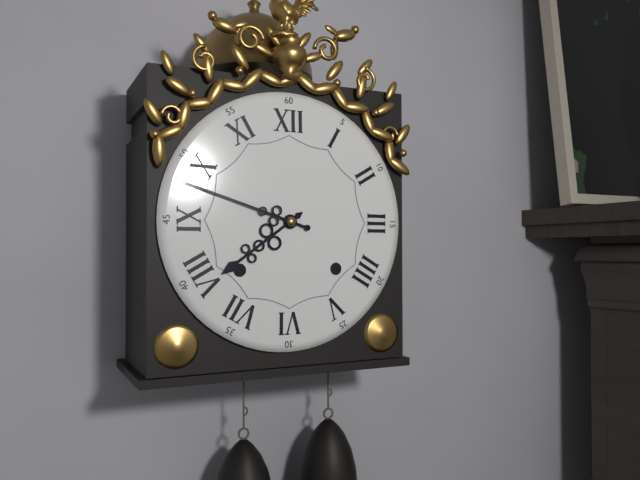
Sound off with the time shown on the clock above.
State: 7:48
